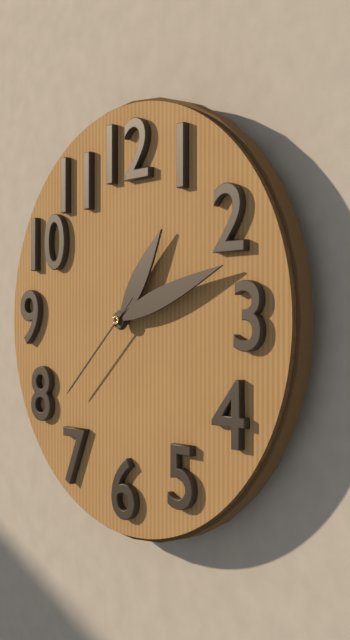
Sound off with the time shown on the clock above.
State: 1:12:38
